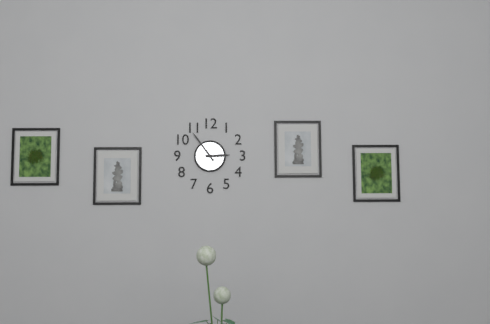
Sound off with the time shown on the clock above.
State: 2:54
